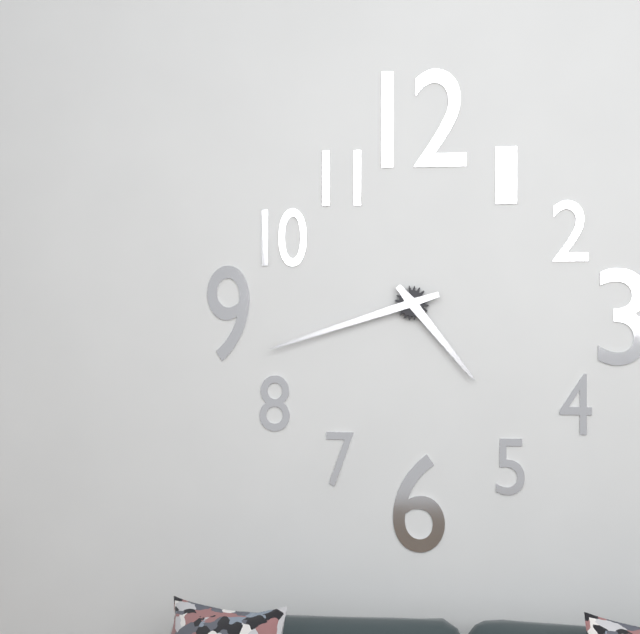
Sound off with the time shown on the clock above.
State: 4:42
